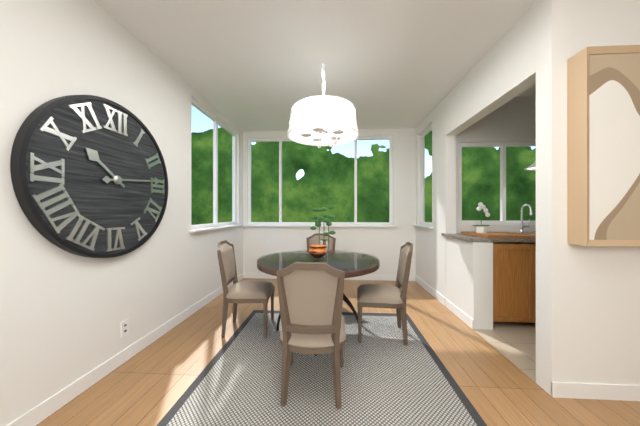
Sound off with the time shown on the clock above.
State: 10:14
